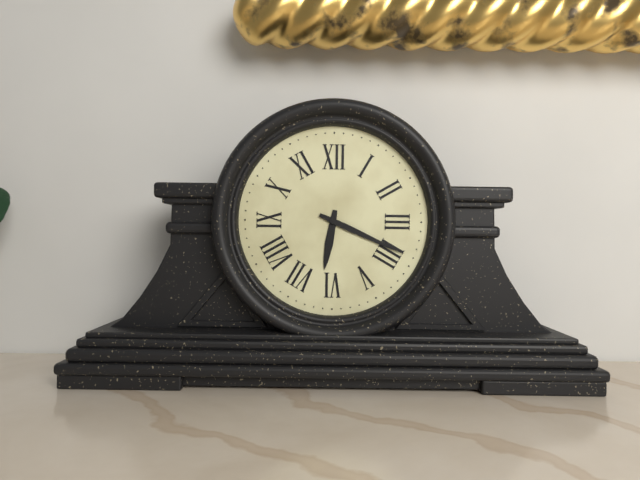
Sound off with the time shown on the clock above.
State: 6:19
